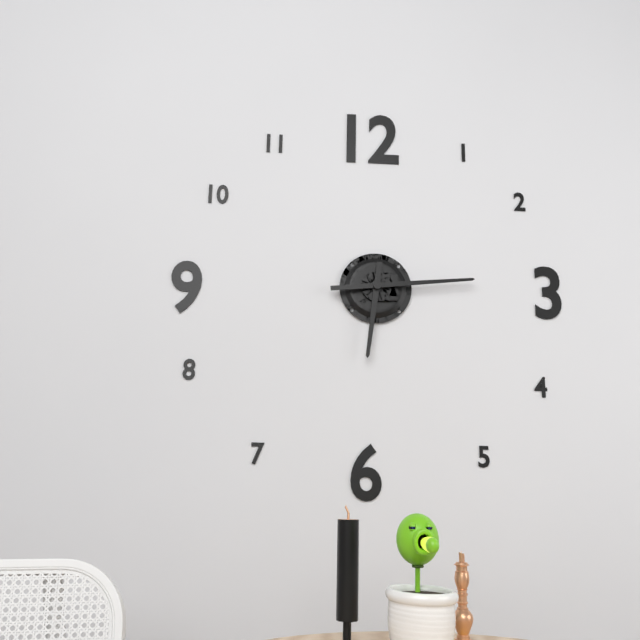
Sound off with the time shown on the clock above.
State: 6:14
